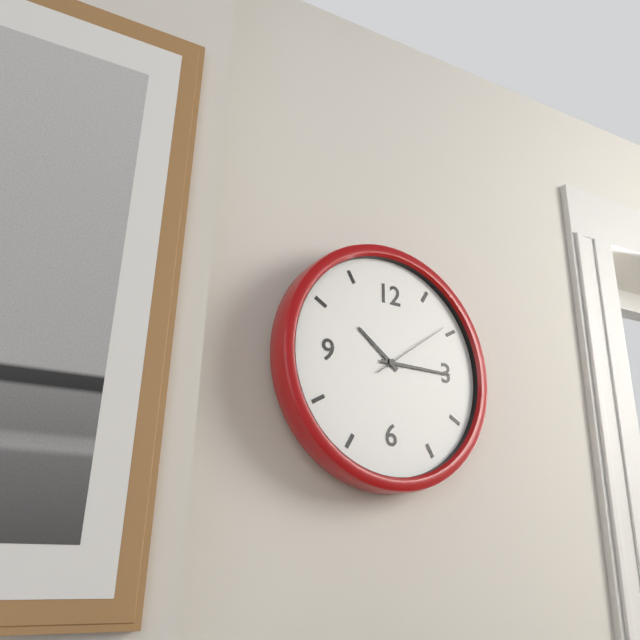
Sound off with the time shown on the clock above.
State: 10:15:09
